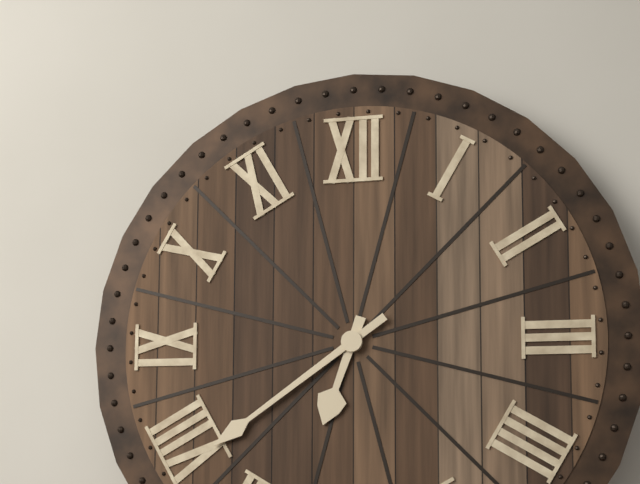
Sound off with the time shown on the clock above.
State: 6:39
